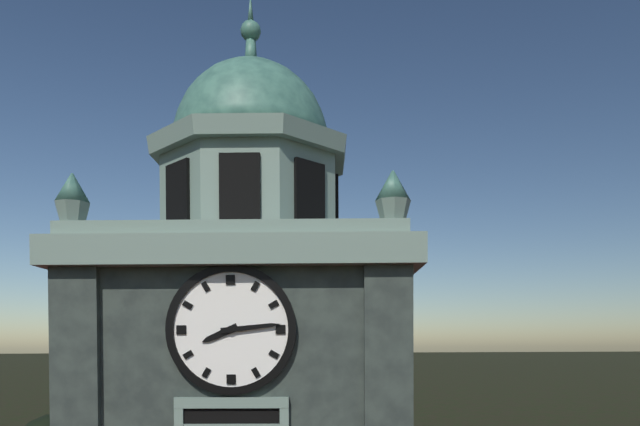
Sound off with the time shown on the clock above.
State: 8:14
